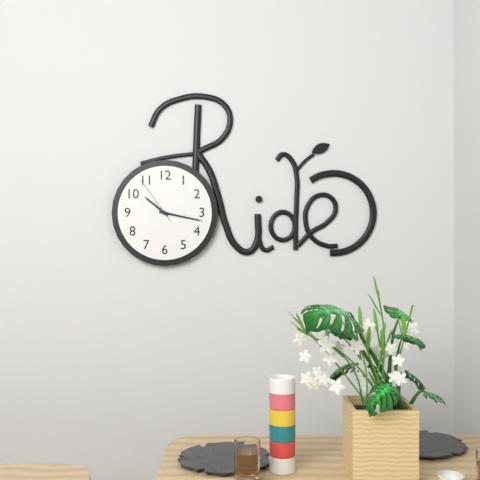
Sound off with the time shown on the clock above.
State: 10:17:54
